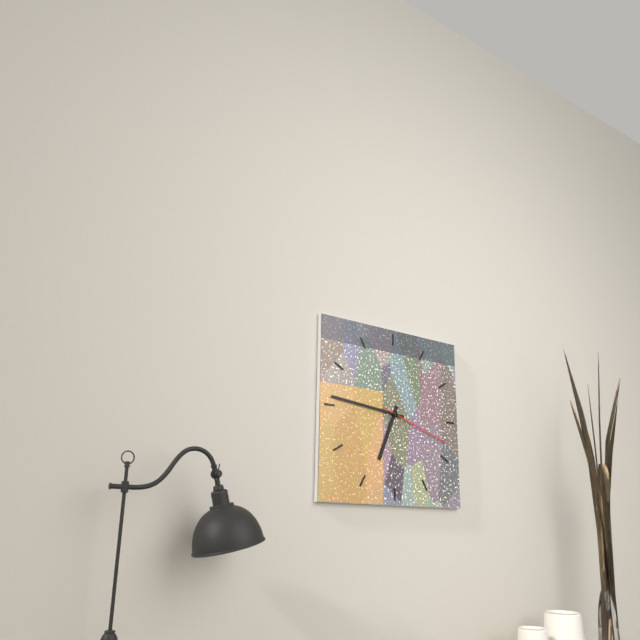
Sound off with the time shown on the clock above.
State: 6:46:18
